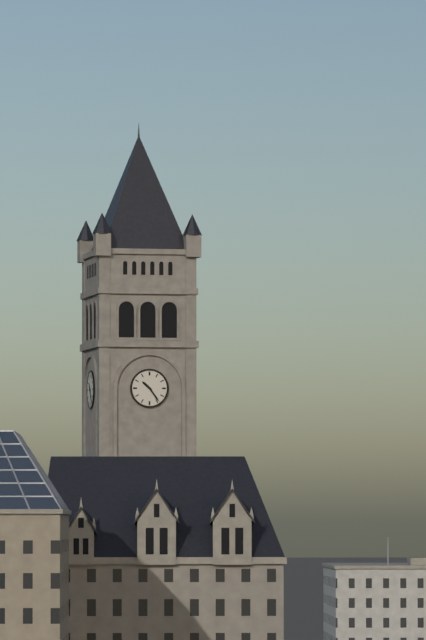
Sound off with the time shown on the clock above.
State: 10:24
